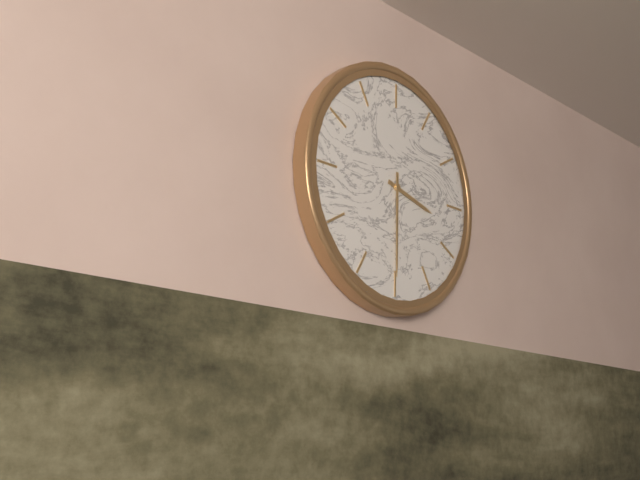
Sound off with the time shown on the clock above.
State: 3:30
